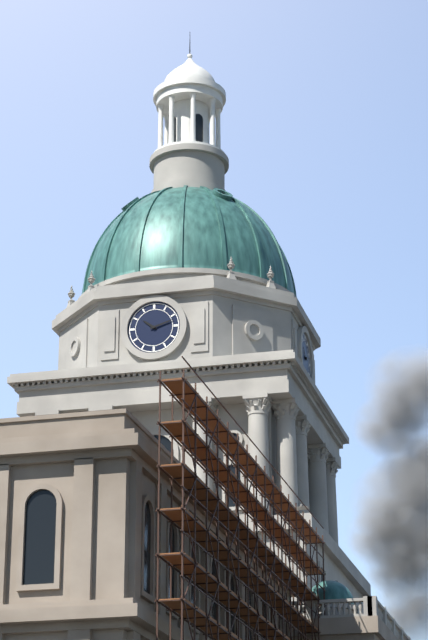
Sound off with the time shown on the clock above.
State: 10:12
